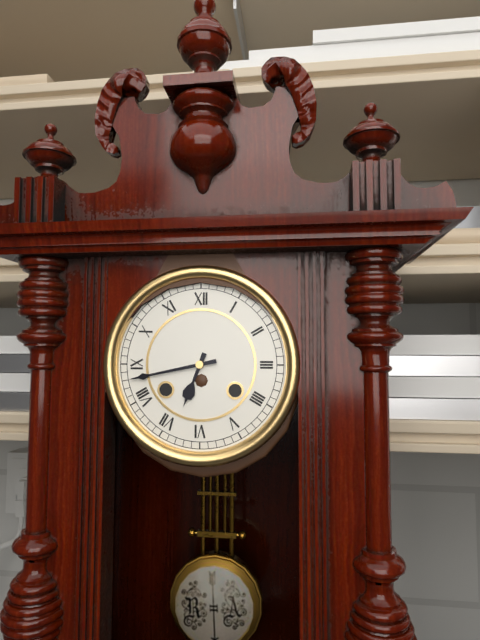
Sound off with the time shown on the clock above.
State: 6:43
